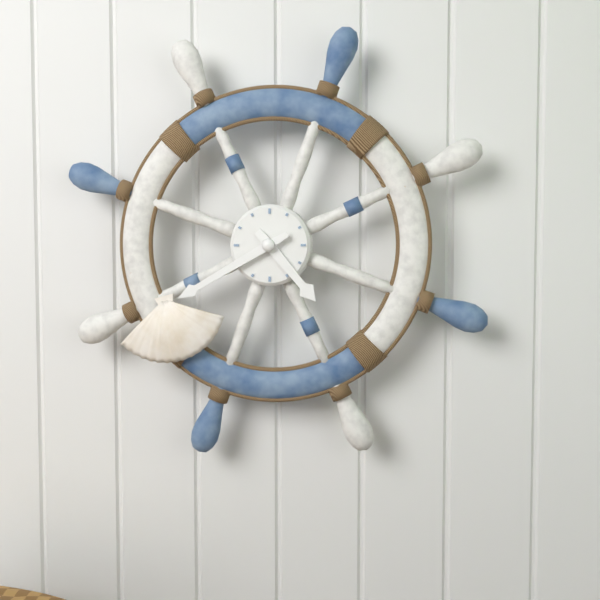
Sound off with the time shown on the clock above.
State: 4:40
